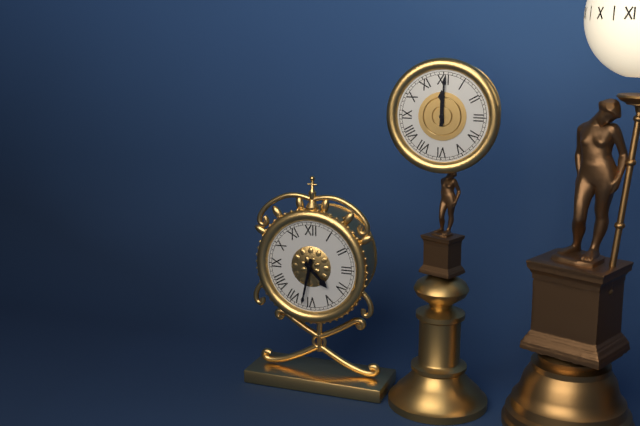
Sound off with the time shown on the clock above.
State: 4:32
